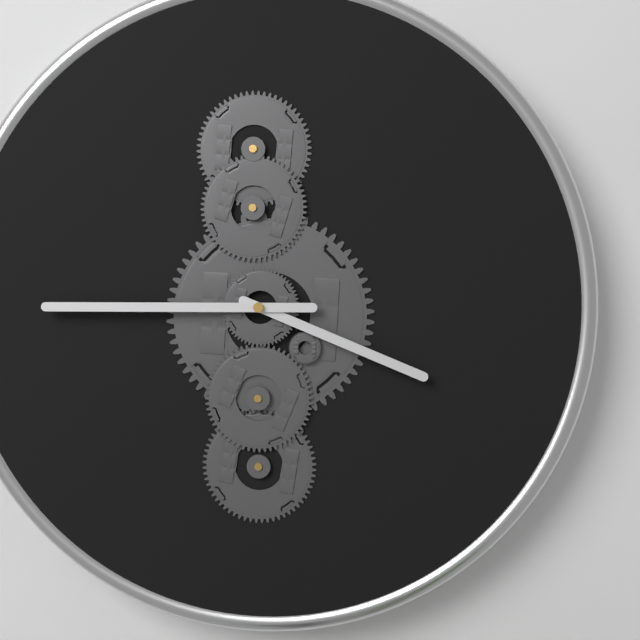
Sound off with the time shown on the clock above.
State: 3:45
